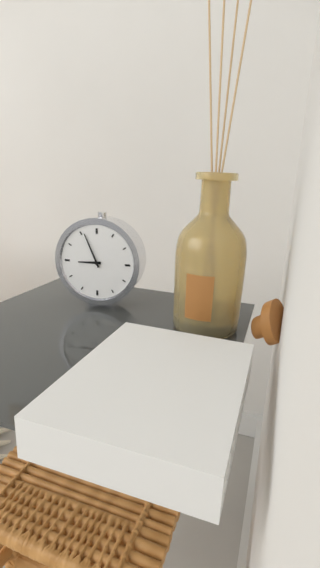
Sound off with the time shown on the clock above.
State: 8:56
